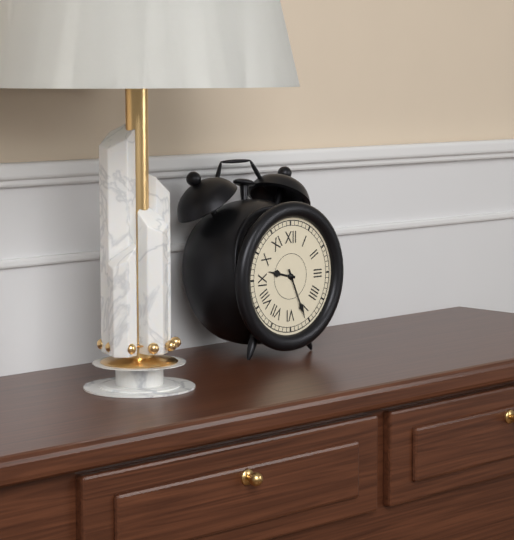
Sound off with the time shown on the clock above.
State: 9:26
